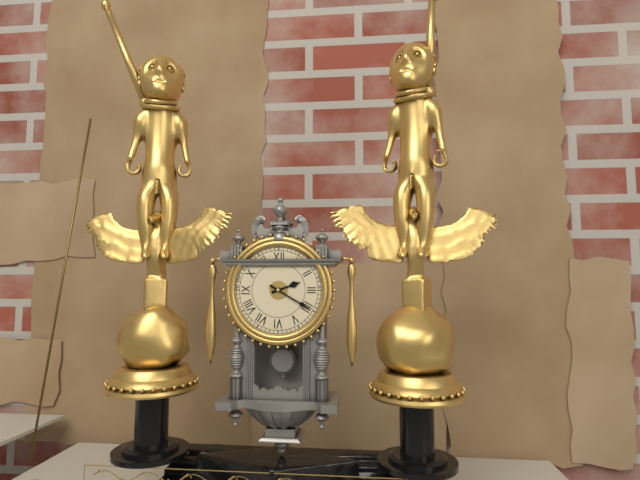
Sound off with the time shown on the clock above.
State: 2:20
